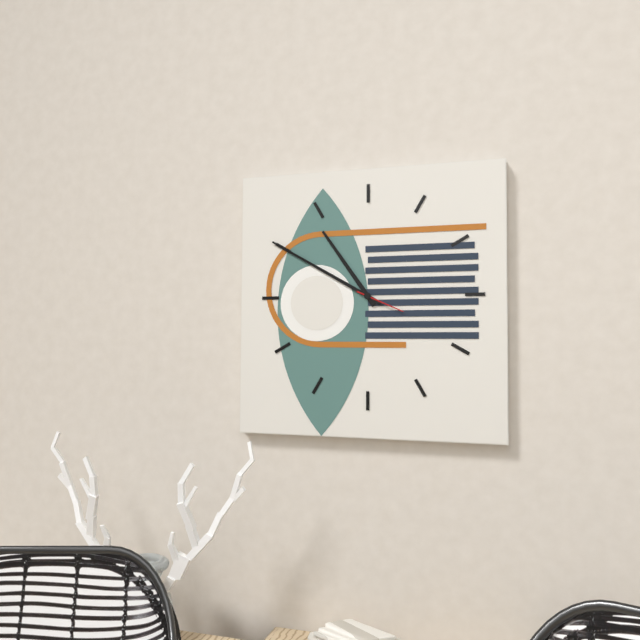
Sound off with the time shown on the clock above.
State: 10:50
